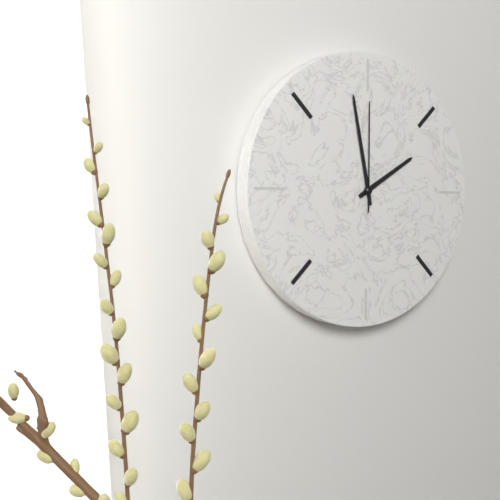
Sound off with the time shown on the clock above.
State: 1:58:00
